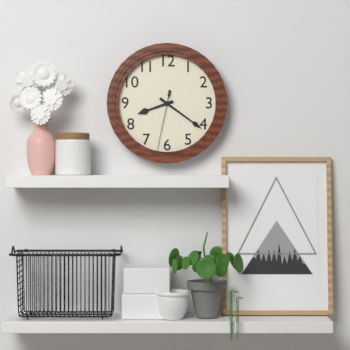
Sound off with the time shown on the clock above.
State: 8:21:32
